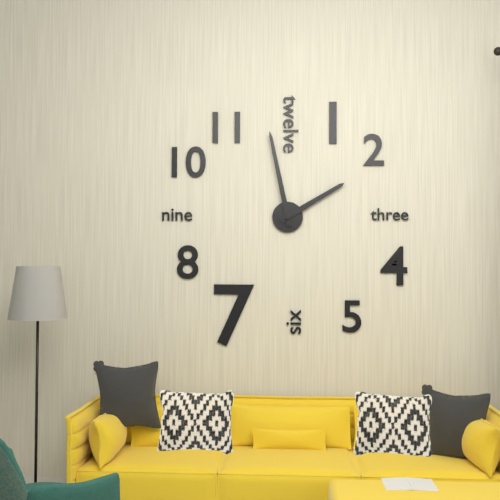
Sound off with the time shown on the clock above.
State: 1:58
